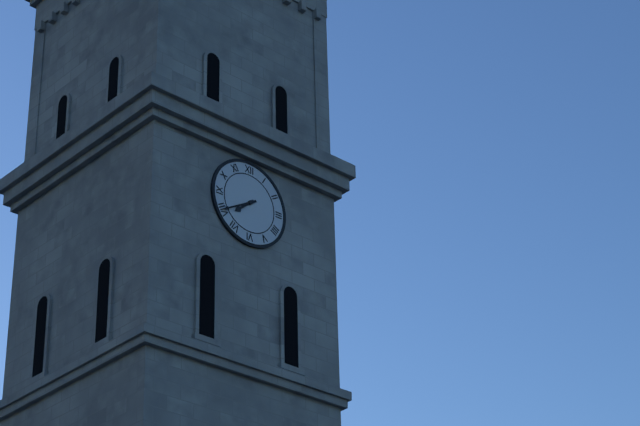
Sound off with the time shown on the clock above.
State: 7:40
